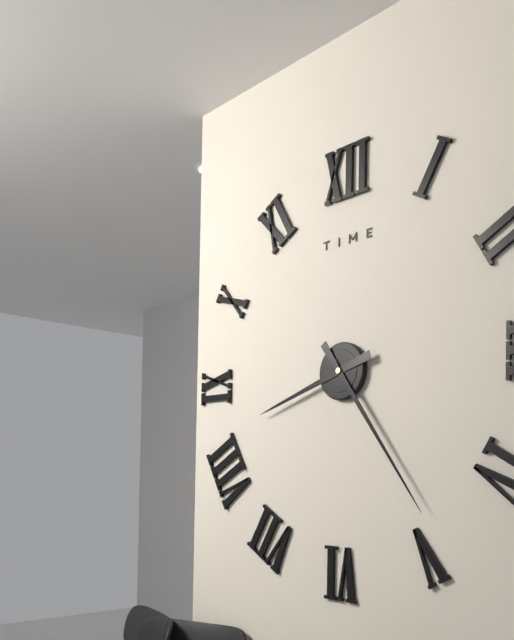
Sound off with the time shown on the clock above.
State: 8:24
